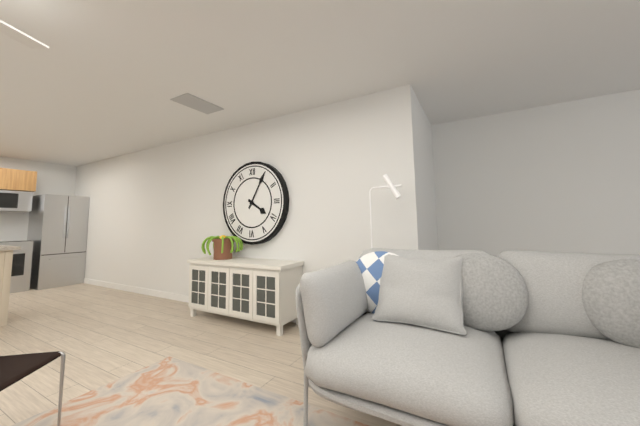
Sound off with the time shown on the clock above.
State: 4:05
